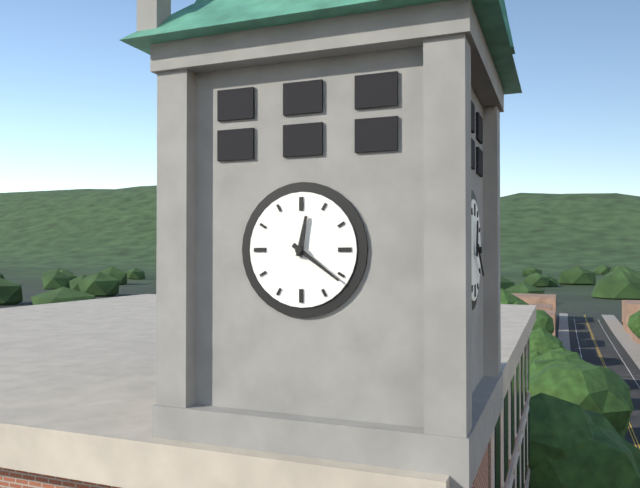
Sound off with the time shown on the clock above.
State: 12:21
